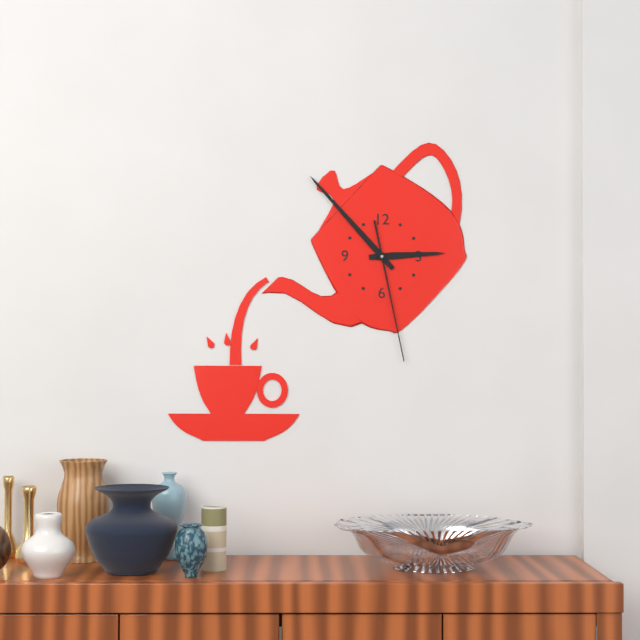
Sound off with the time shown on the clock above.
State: 2:53:28
